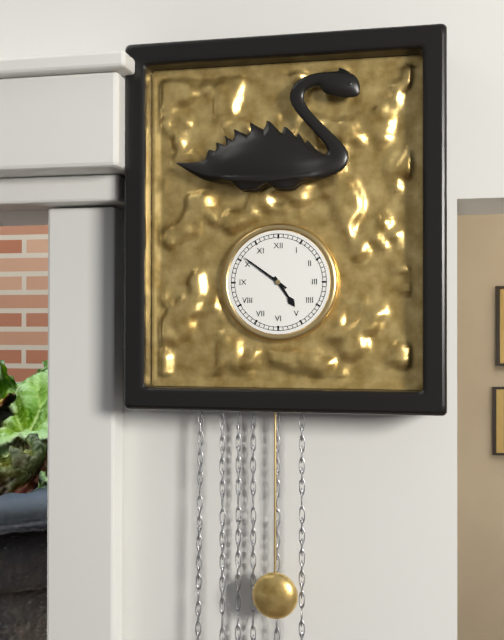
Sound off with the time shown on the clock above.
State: 4:51
